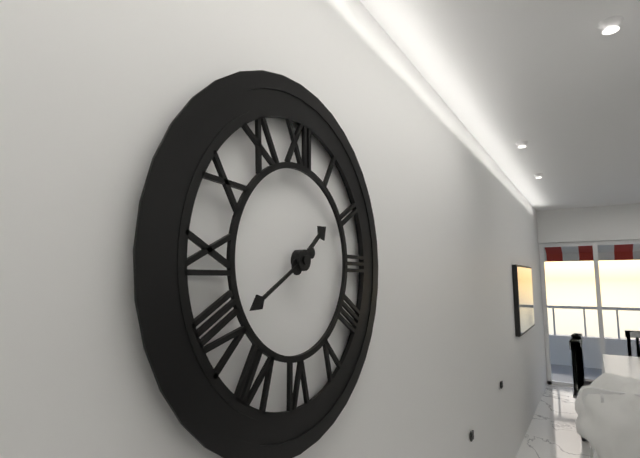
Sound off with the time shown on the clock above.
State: 1:40
